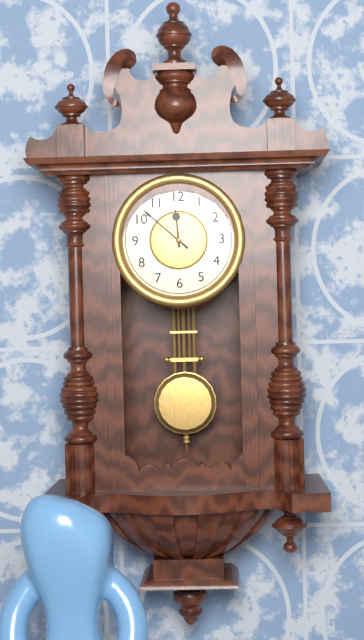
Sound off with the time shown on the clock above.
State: 11:52
